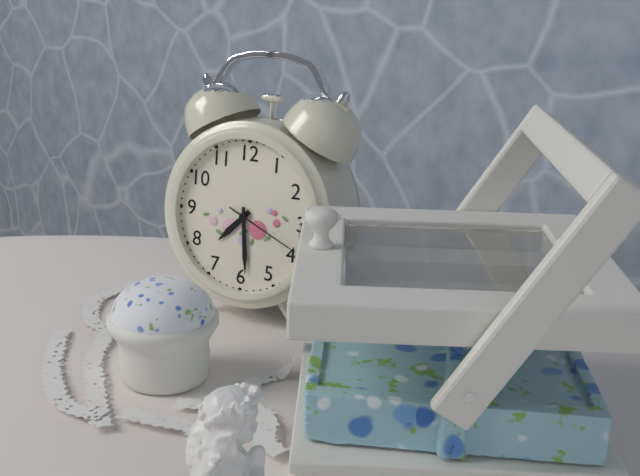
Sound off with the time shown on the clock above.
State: 7:29:19
